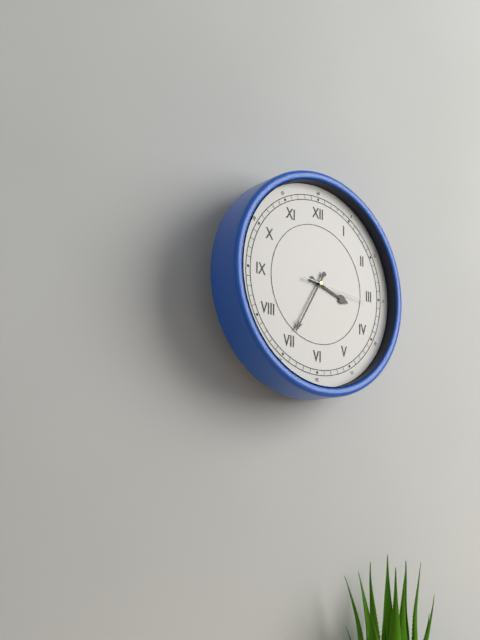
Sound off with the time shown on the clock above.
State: 3:35:16
